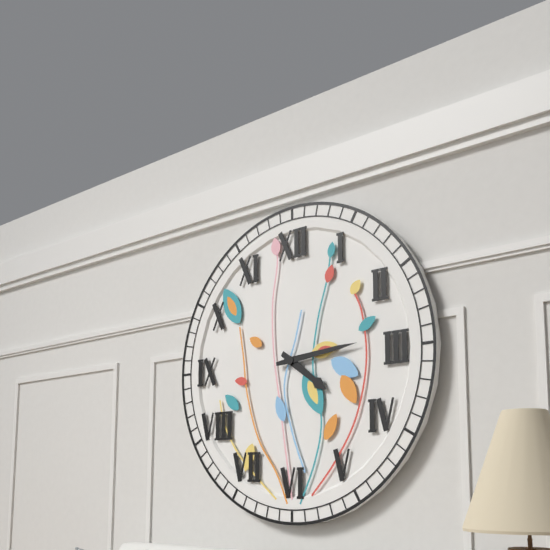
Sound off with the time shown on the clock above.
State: 4:14
